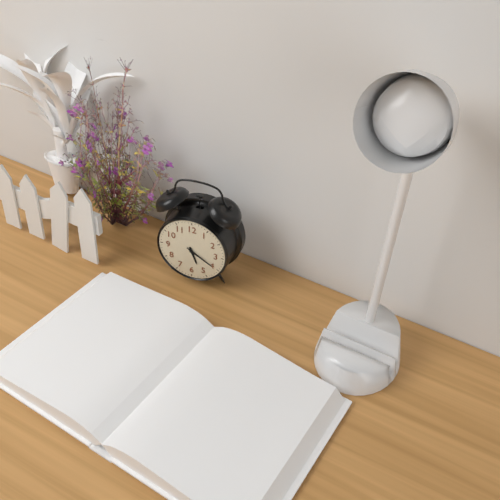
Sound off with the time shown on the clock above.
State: 5:20
